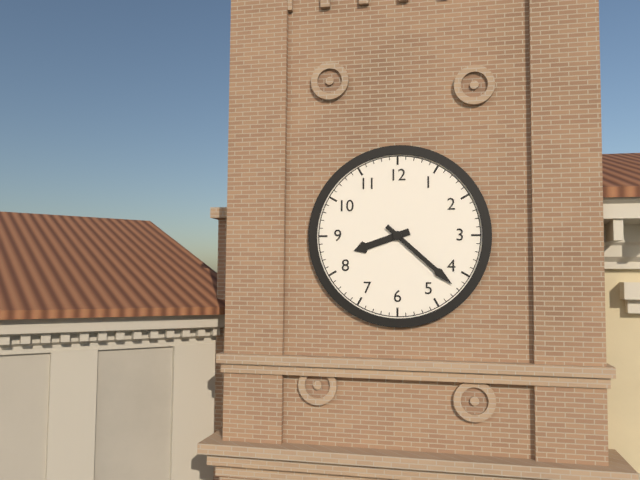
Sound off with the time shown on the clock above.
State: 8:22
